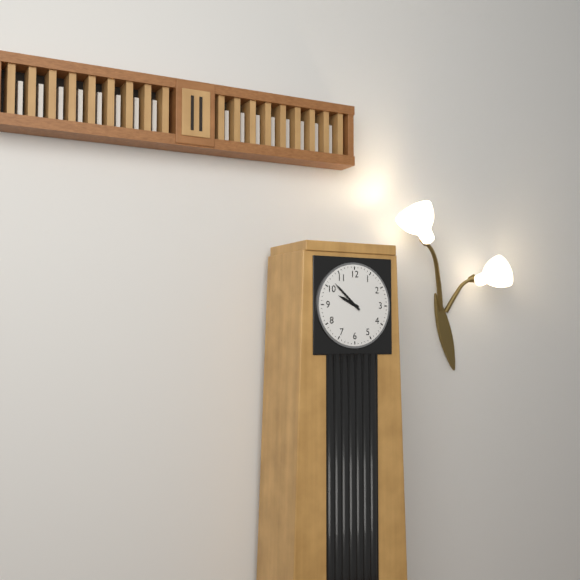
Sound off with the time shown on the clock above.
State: 9:52
